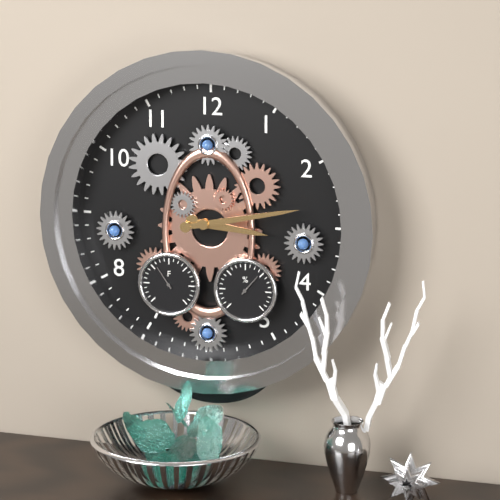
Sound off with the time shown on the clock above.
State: 3:13
